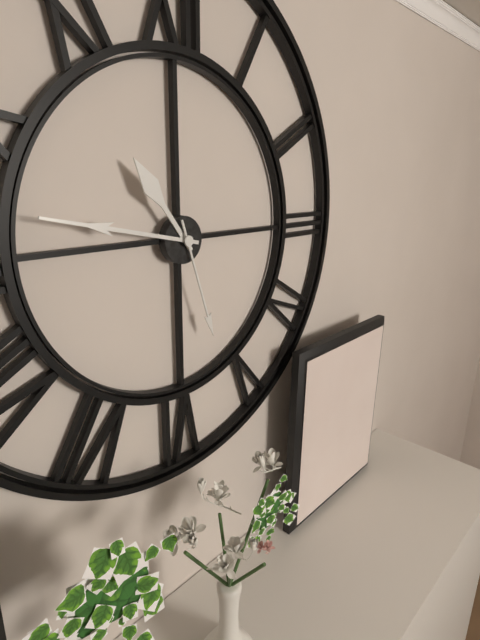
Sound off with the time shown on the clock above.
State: 10:47:27
